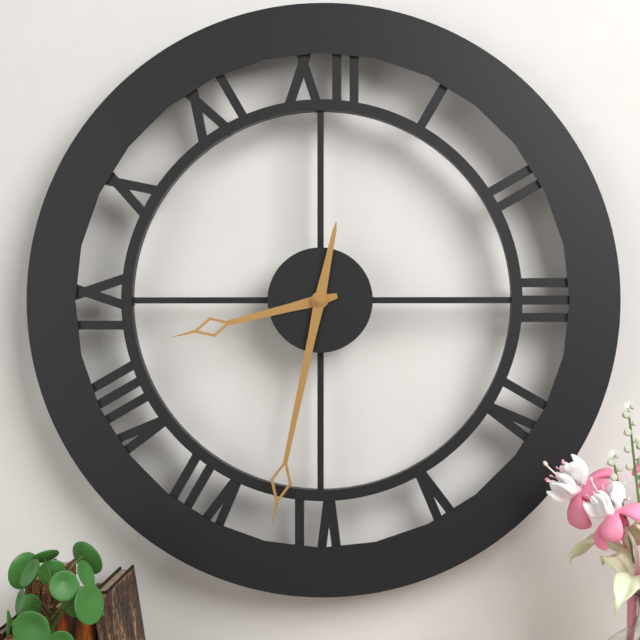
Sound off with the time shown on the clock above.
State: 8:32
